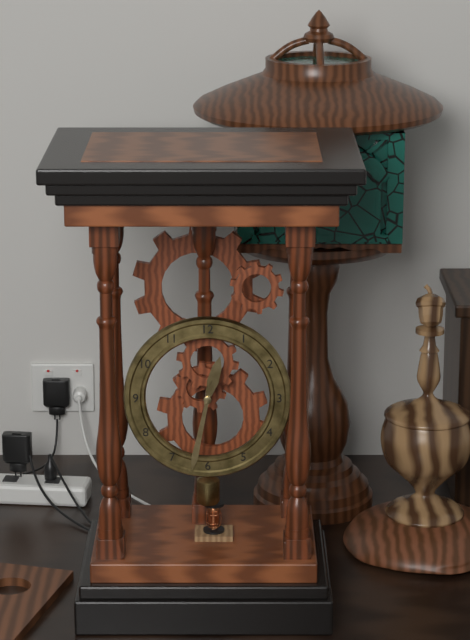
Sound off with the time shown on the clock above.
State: 12:32
